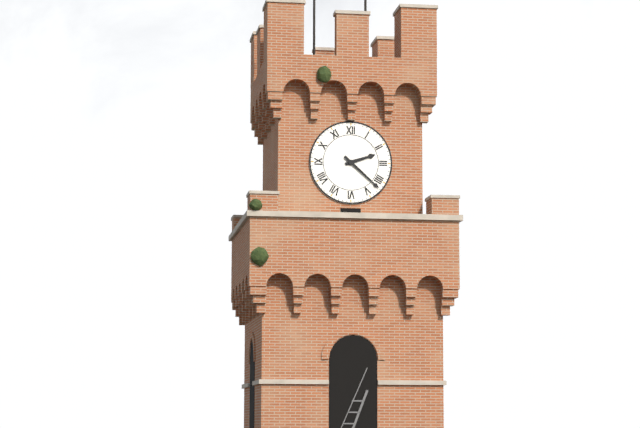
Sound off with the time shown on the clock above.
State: 2:22
